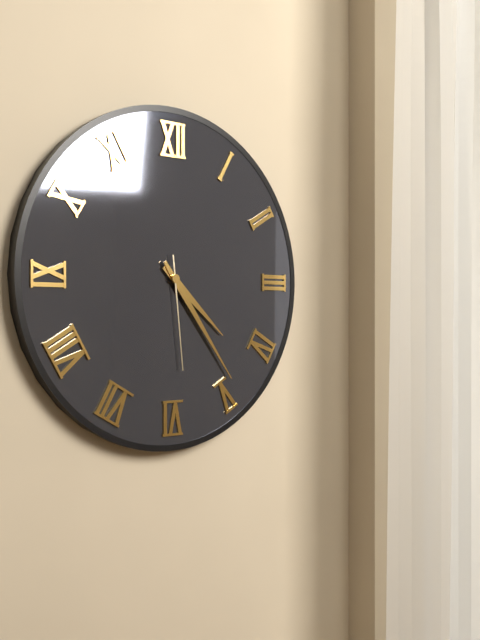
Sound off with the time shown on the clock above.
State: 4:24:29
